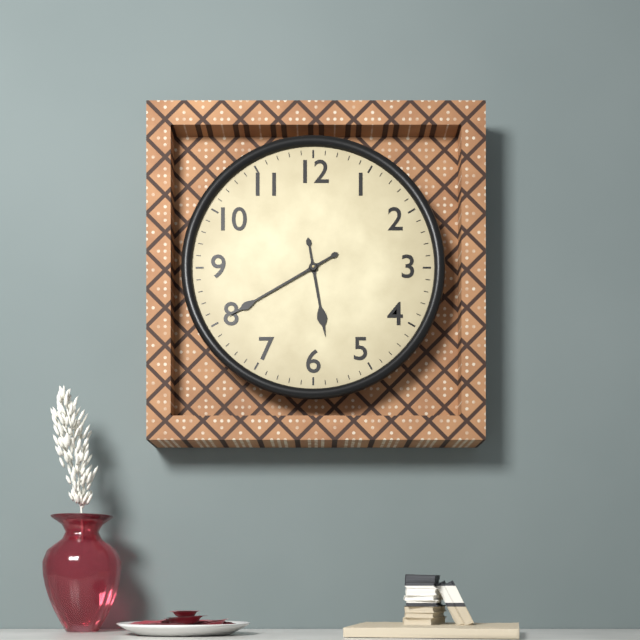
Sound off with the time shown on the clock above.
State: 5:40
